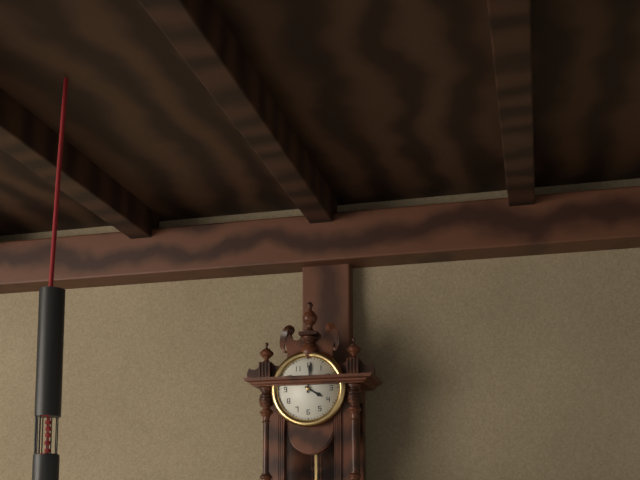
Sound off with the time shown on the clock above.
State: 4:01
